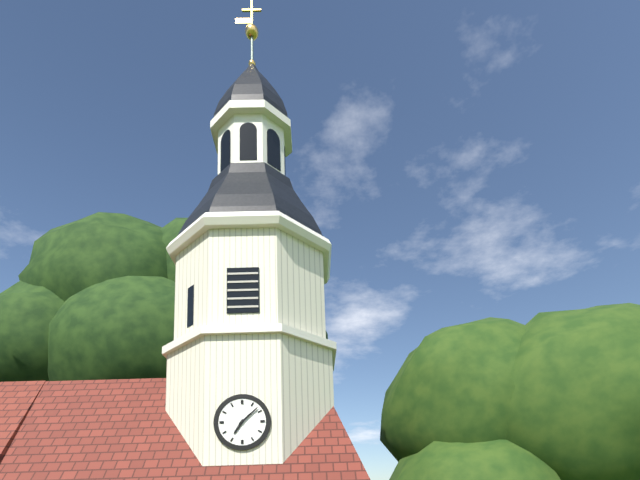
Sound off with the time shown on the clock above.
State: 7:08
